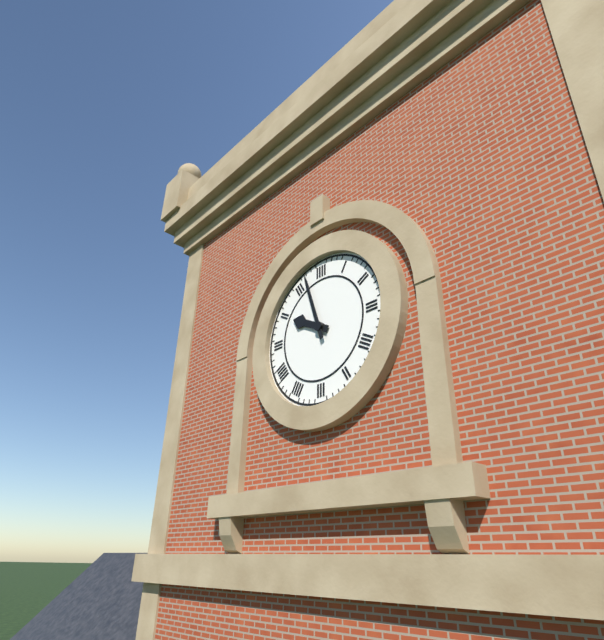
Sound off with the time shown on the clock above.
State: 9:57
